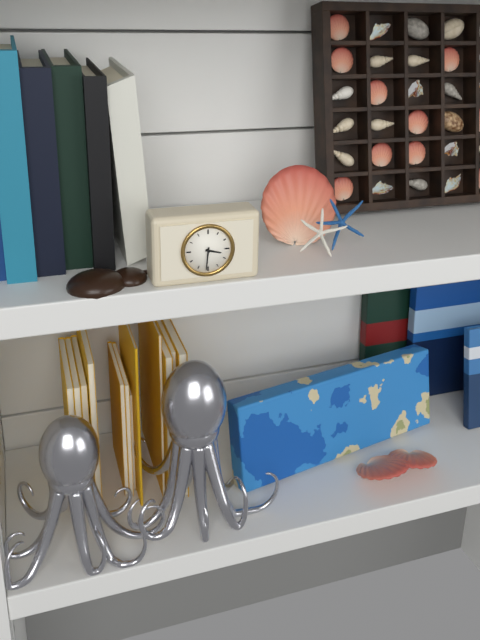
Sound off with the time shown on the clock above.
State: 3:31
